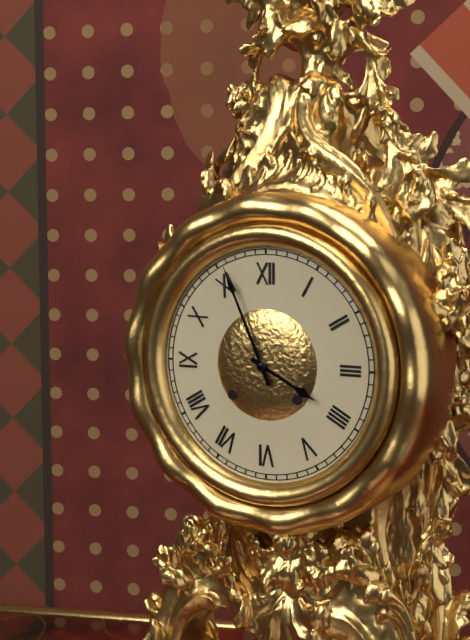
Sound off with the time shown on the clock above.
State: 3:56
